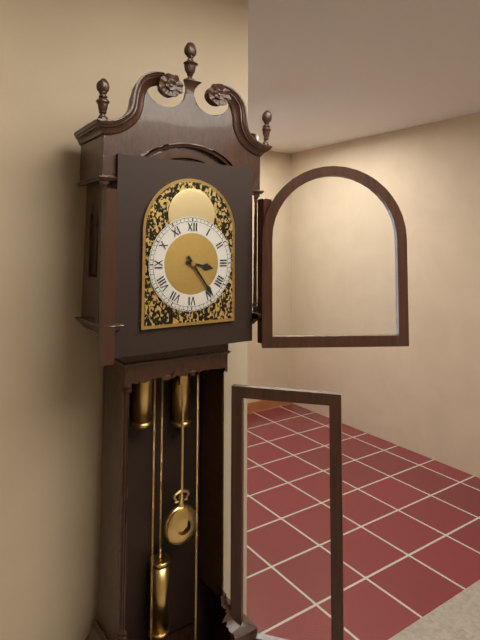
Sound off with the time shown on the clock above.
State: 3:24
